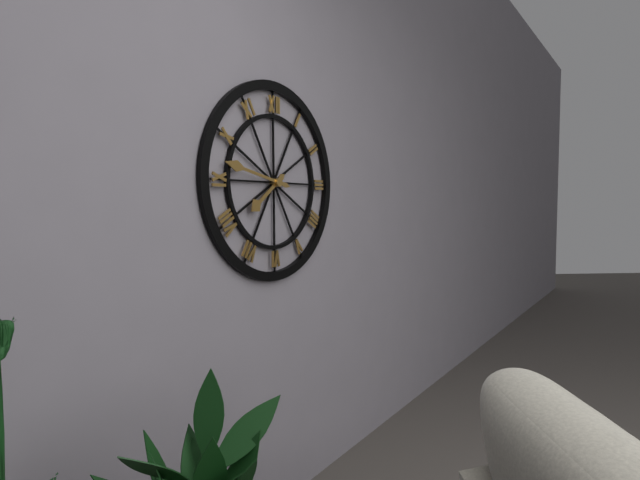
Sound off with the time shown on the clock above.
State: 7:47
